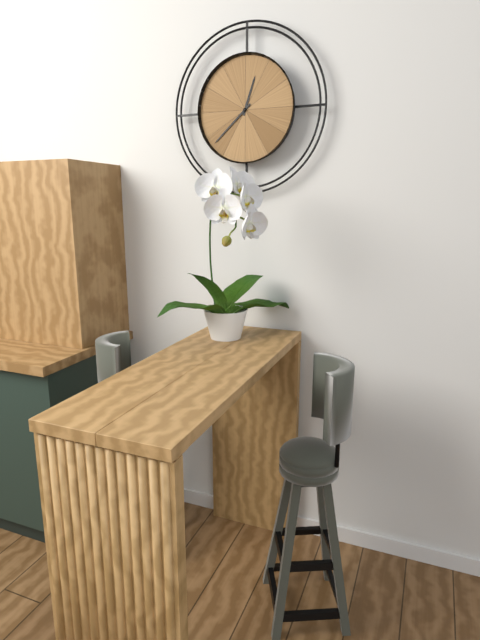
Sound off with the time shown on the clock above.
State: 12:38
